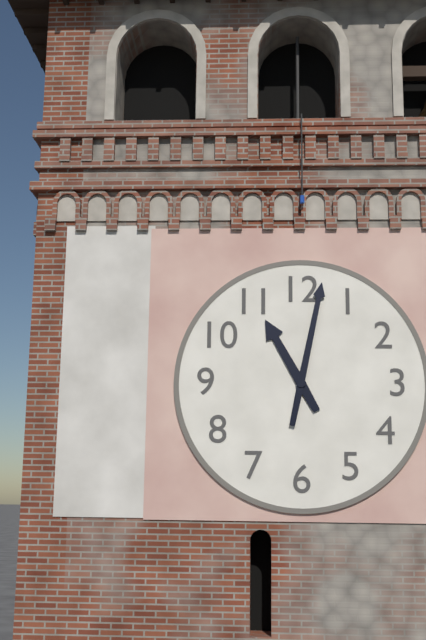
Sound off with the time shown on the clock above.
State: 11:02
